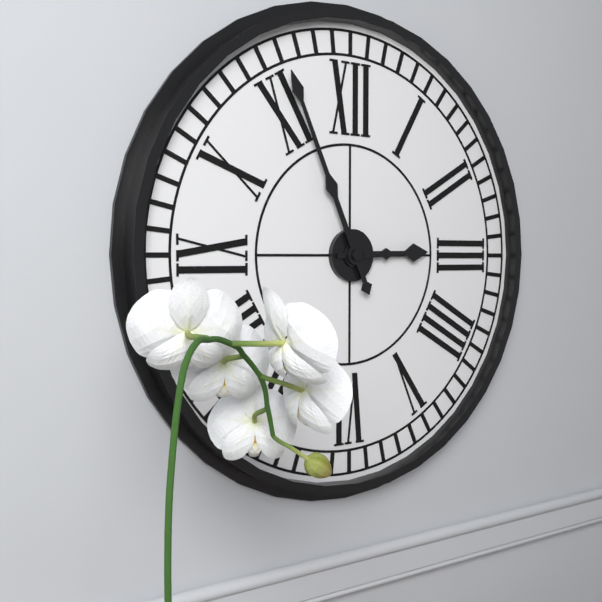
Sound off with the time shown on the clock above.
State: 2:56
